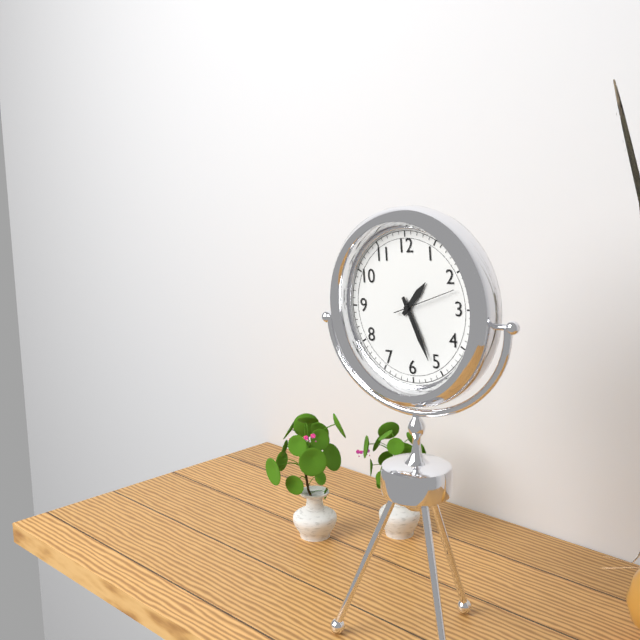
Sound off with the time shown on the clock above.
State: 1:26:12
